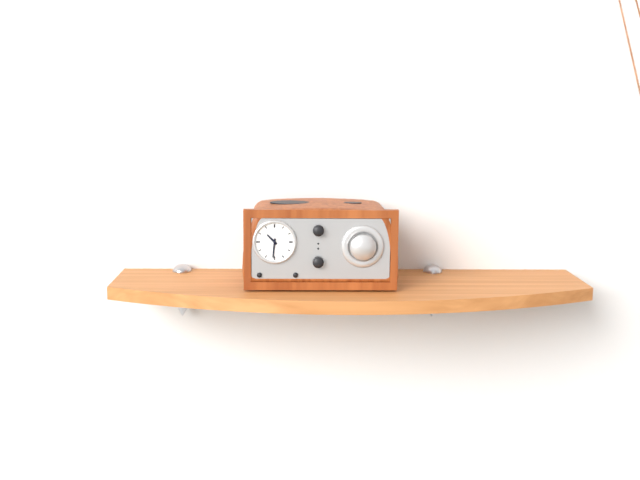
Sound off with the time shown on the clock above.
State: 10:31
